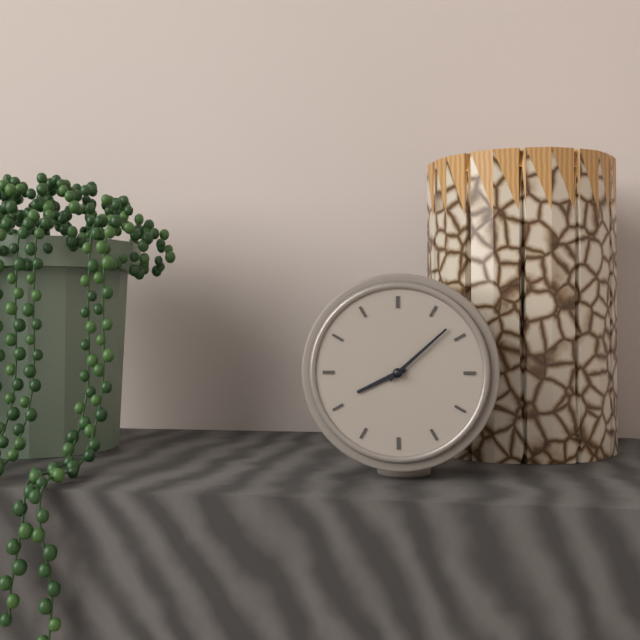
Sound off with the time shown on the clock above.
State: 8:08
